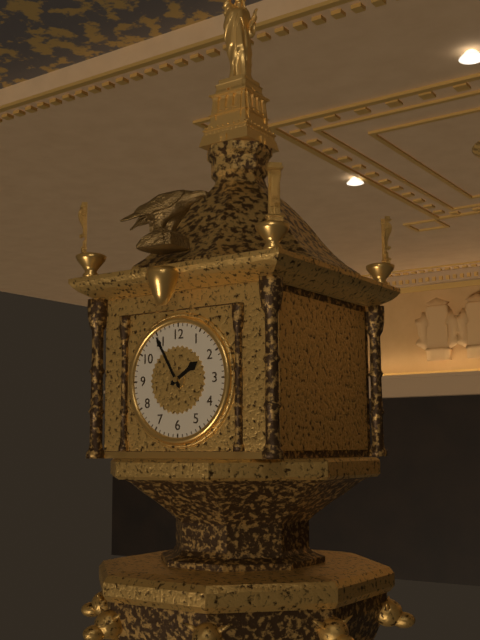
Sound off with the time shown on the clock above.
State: 1:55
